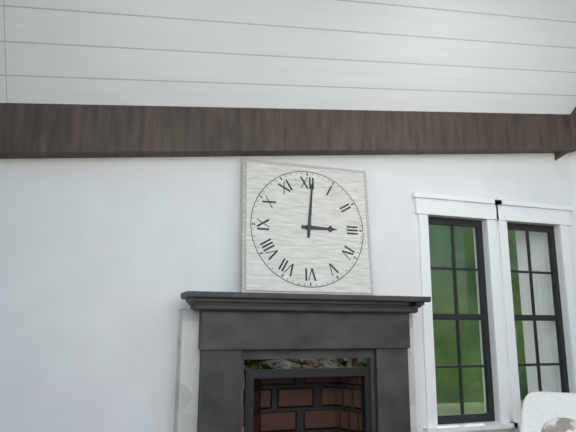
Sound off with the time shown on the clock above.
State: 3:01
